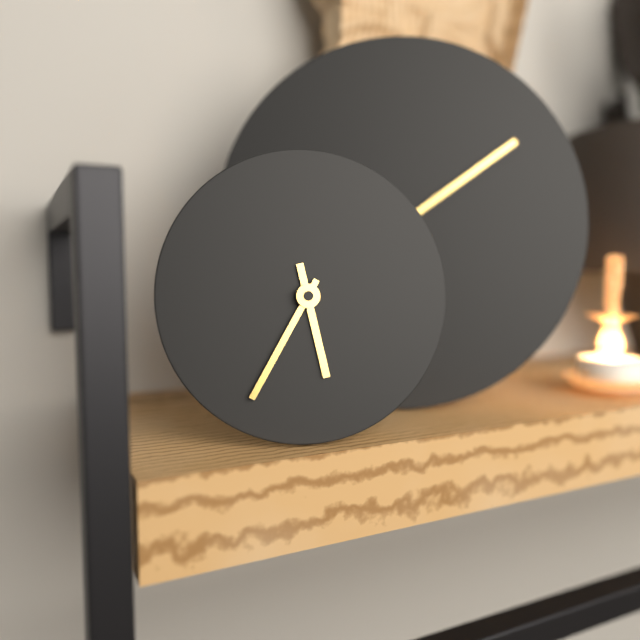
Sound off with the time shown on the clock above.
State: 5:35
